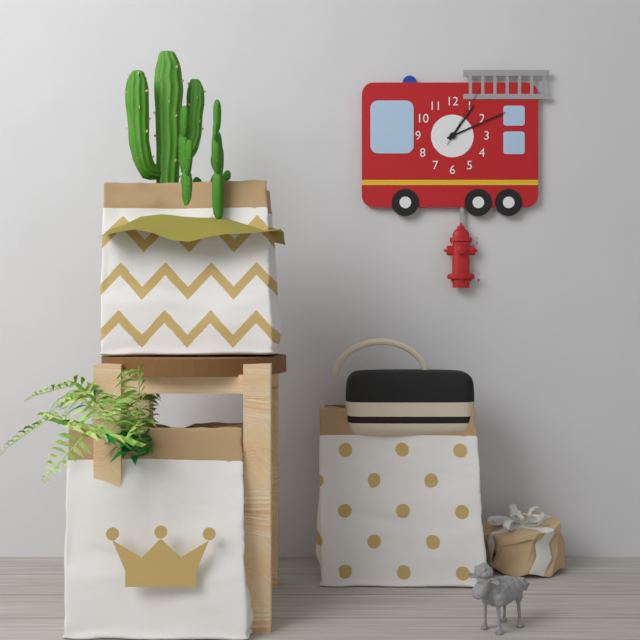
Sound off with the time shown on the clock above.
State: 1:11:05
